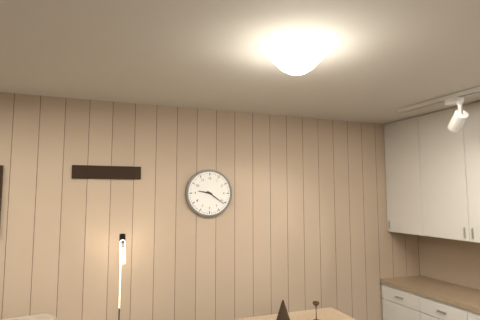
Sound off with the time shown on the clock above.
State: 9:21
